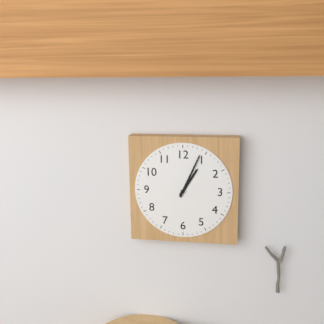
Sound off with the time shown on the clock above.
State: 1:04
